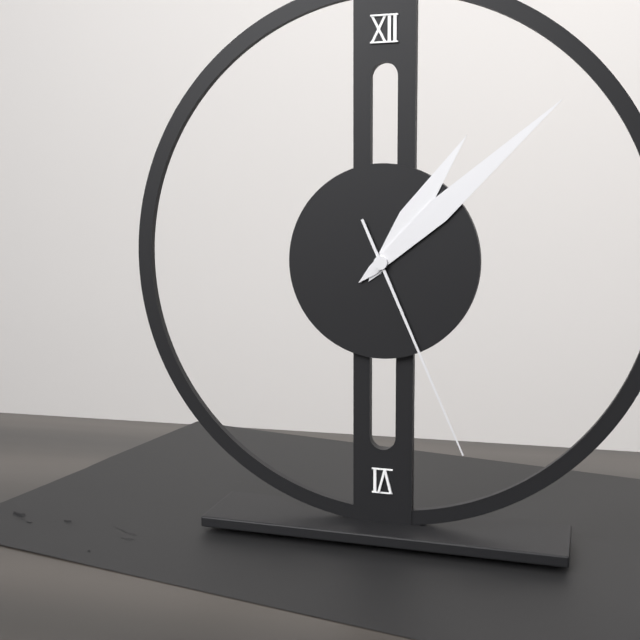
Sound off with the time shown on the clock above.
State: 1:08:26
